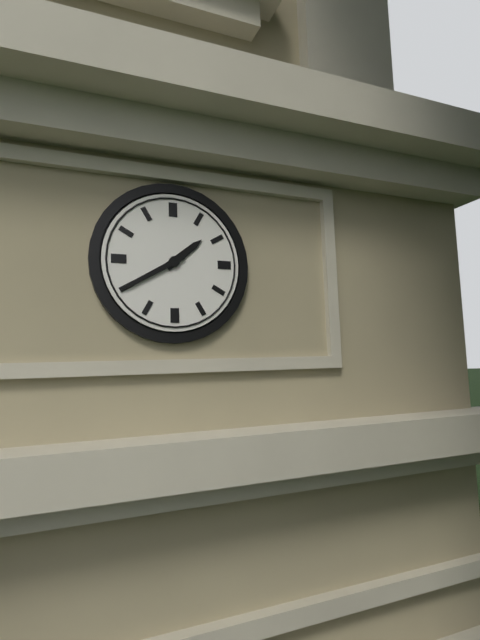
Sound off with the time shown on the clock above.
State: 1:40
